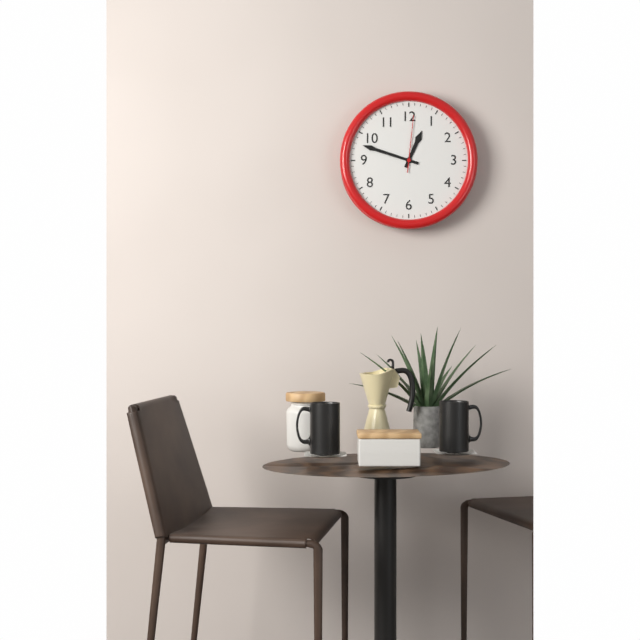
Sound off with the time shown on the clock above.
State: 12:48:01
